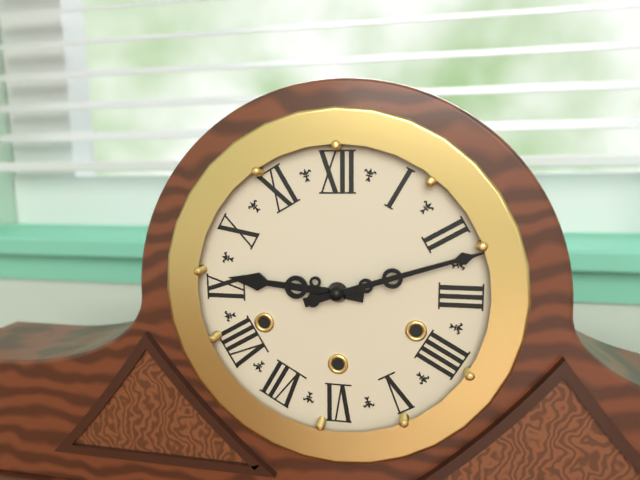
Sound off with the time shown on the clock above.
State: 9:12
